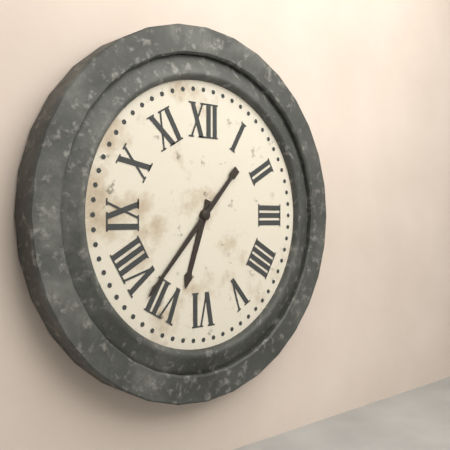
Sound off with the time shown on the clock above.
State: 6:37
